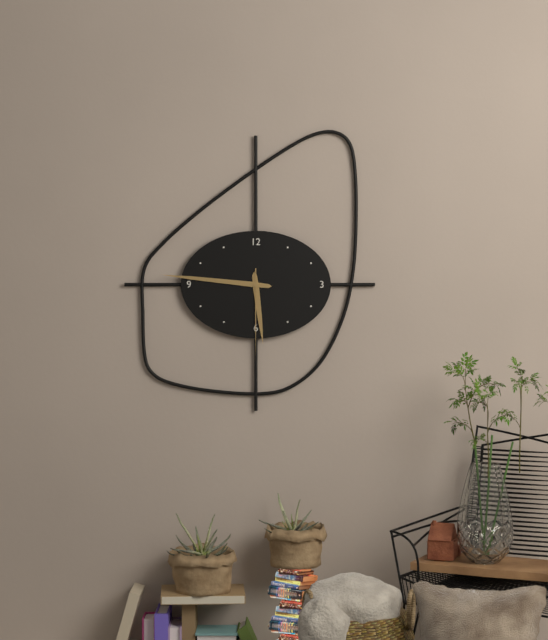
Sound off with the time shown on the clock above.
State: 5:46:30
